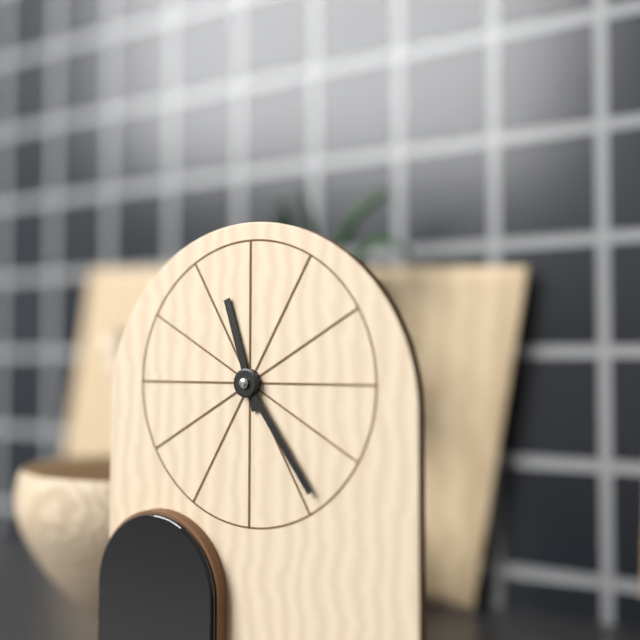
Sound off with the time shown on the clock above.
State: 11:24
